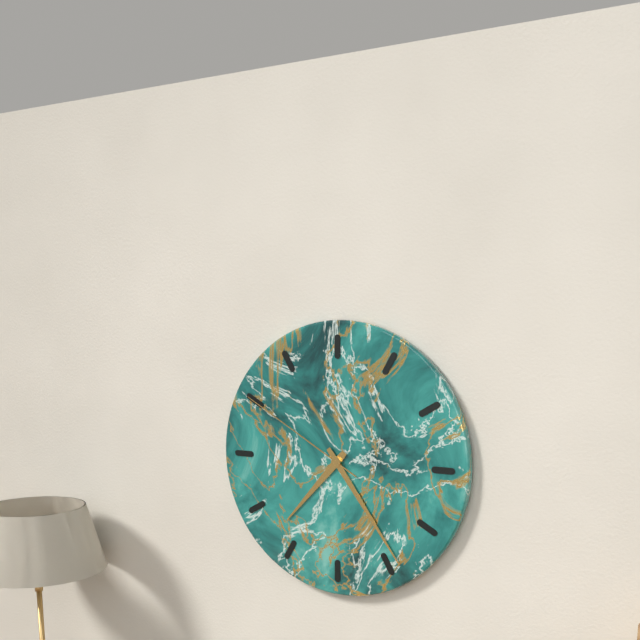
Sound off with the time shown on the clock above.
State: 7:24:50
